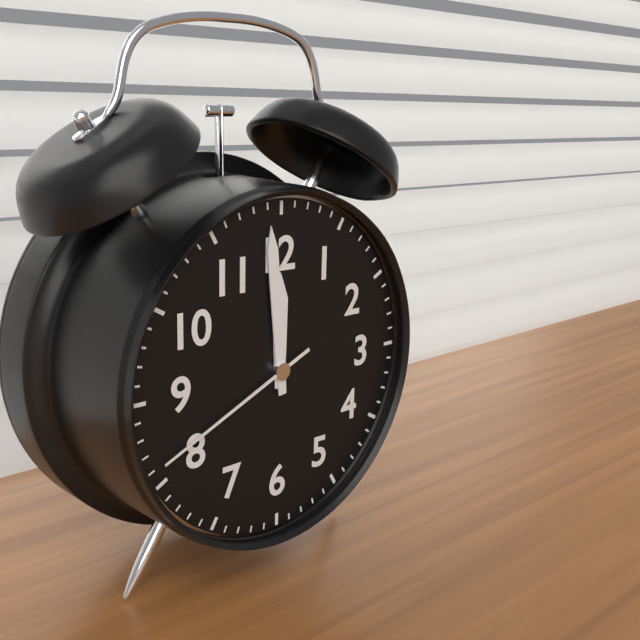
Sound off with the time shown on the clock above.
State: 11:59:41
